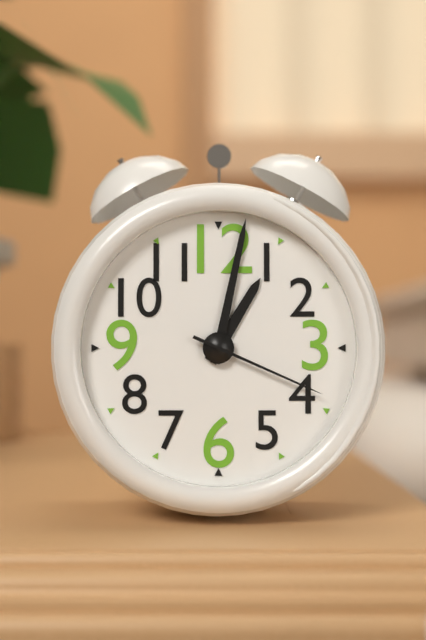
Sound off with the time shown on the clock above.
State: 1:02:19
